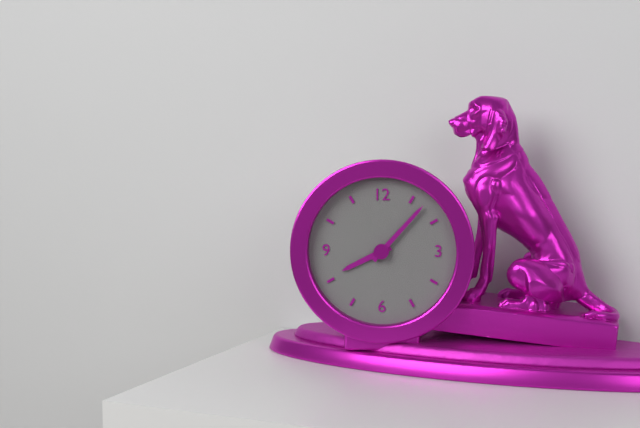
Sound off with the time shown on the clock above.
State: 8:07
